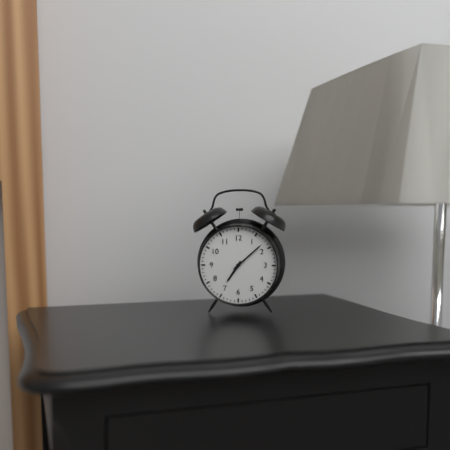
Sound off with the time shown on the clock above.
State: 7:08
